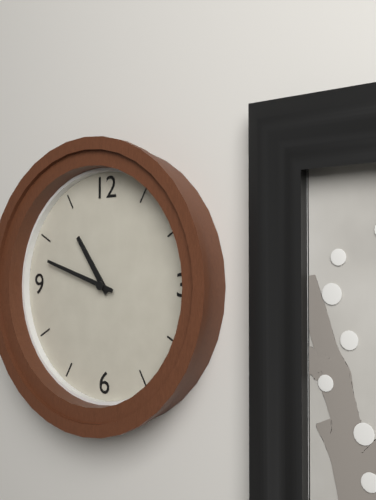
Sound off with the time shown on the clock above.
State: 10:48
